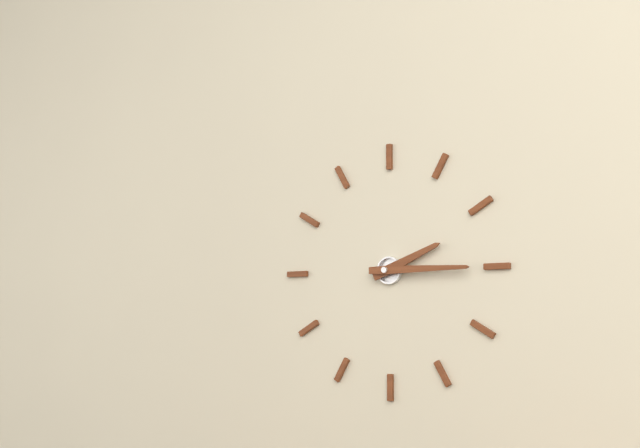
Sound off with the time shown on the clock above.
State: 2:15
